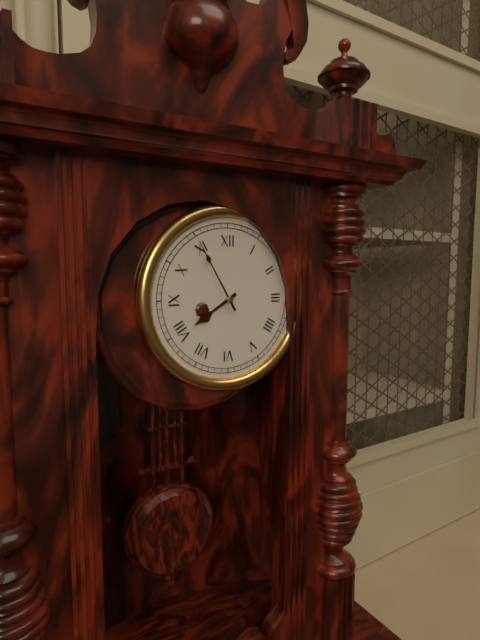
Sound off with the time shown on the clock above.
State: 7:55
